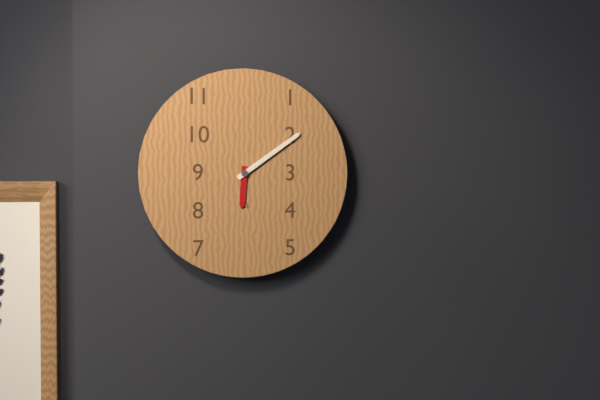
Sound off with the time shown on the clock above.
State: 6:09
